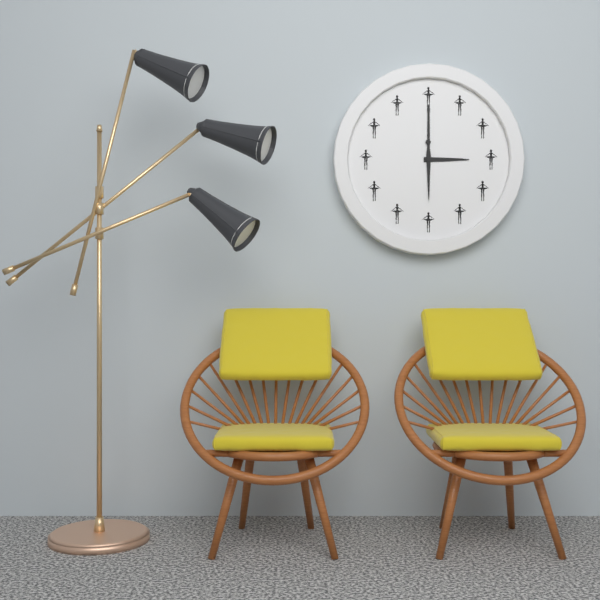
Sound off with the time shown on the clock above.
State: 3:00
